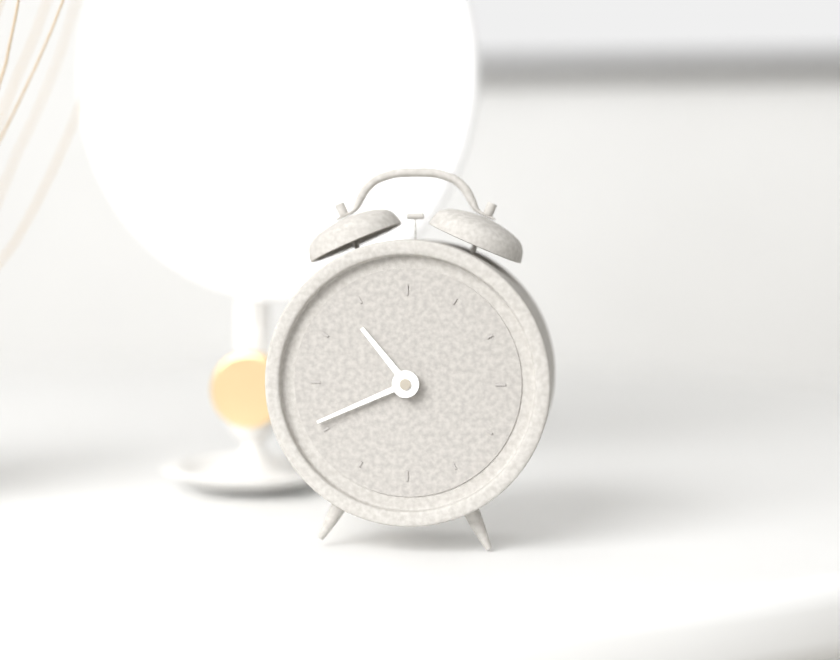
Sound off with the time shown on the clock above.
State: 10:41
